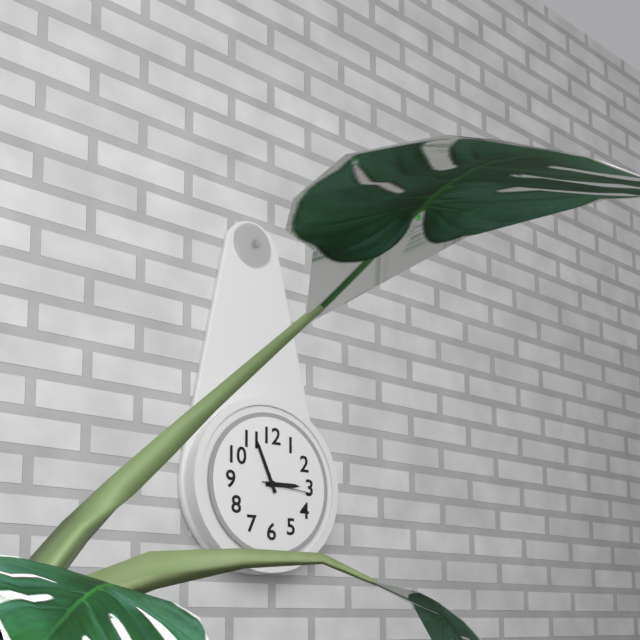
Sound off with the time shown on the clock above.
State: 2:56:16
